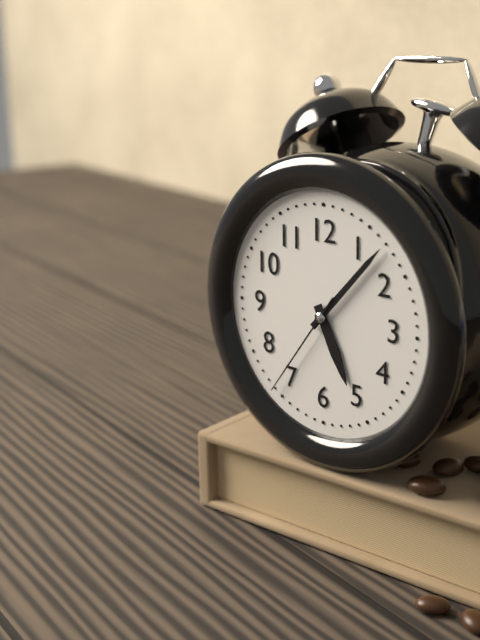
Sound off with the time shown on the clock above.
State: 5:07:36
